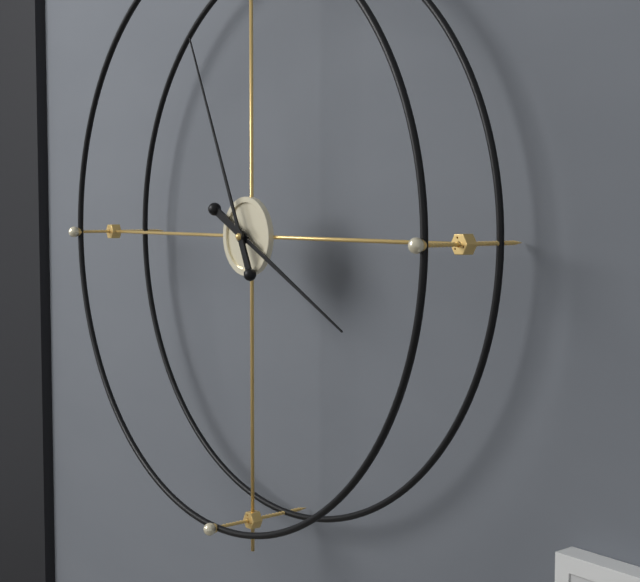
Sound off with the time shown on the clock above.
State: 3:56
